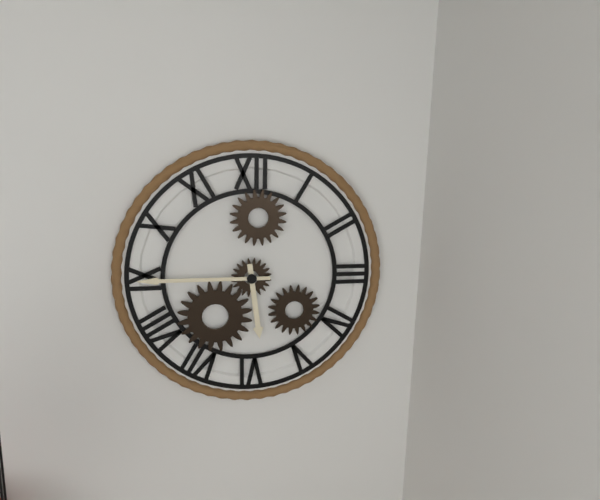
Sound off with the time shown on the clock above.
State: 5:45
